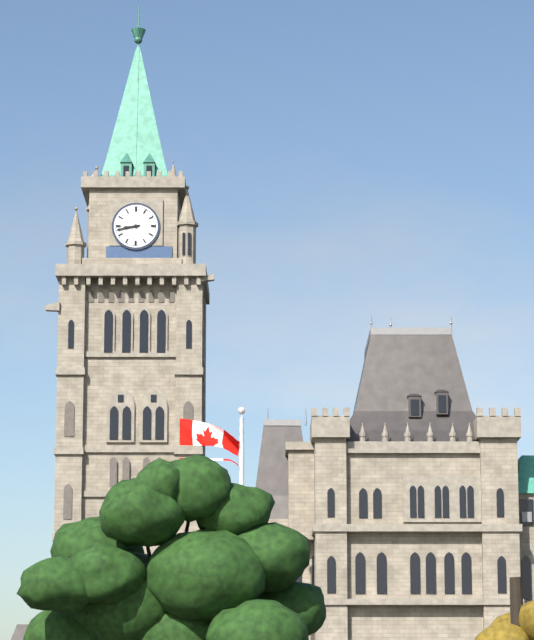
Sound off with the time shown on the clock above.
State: 8:43
